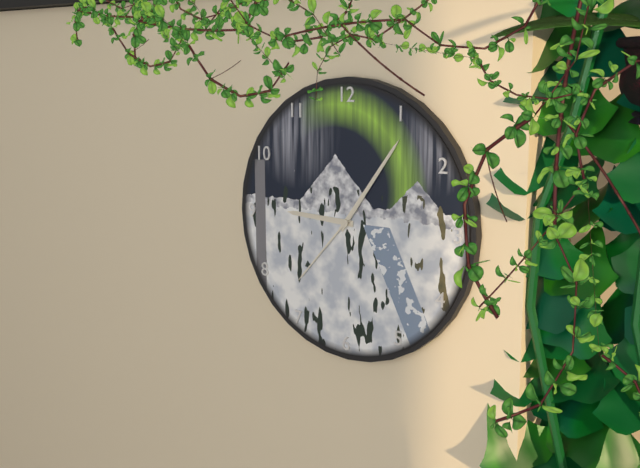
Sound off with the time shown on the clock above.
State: 9:06:37
